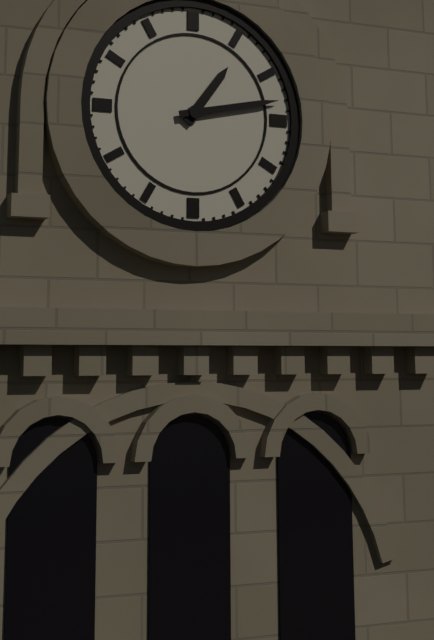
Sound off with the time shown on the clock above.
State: 1:13
